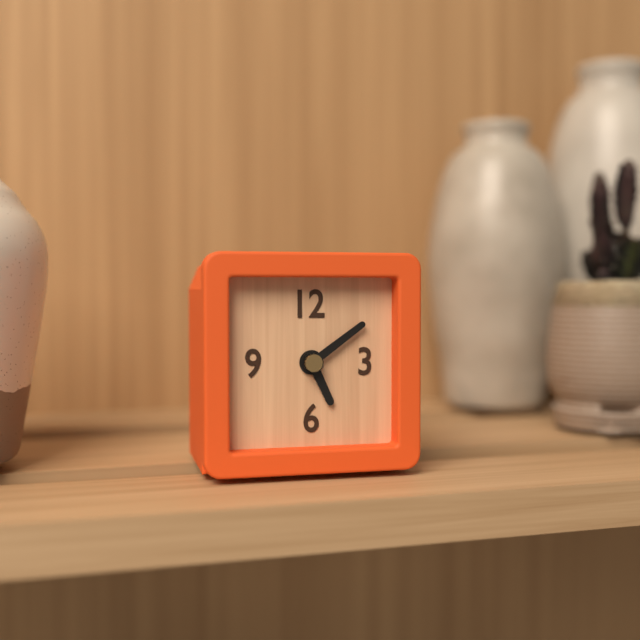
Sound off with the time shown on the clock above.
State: 5:09
